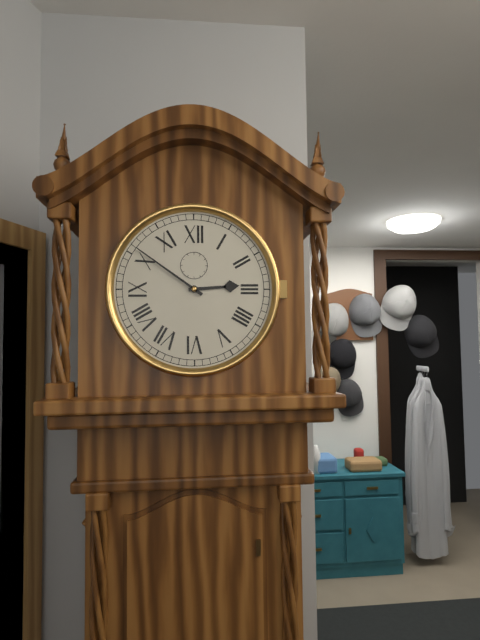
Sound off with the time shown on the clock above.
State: 2:51
